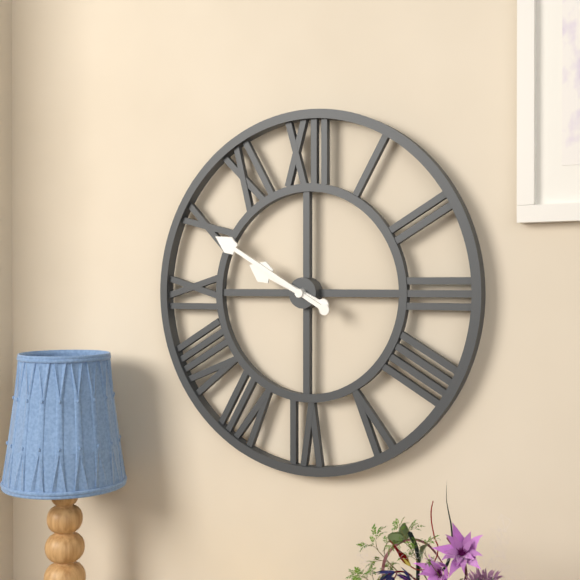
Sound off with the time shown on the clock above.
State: 9:50
